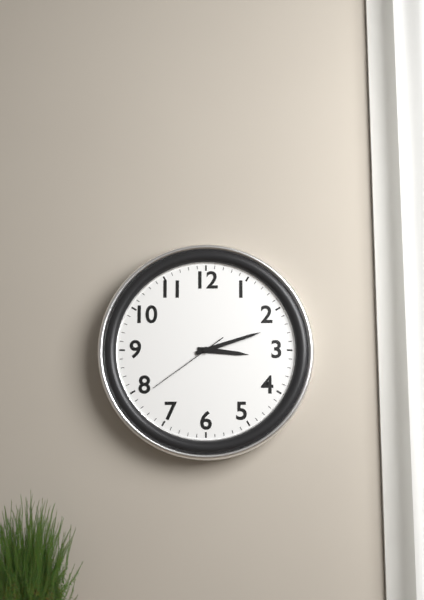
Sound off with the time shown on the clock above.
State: 3:12:39
